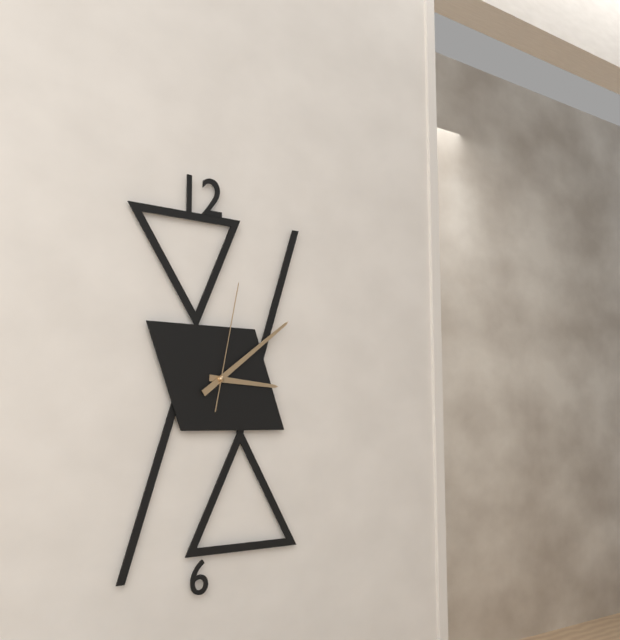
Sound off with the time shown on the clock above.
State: 3:09:02
